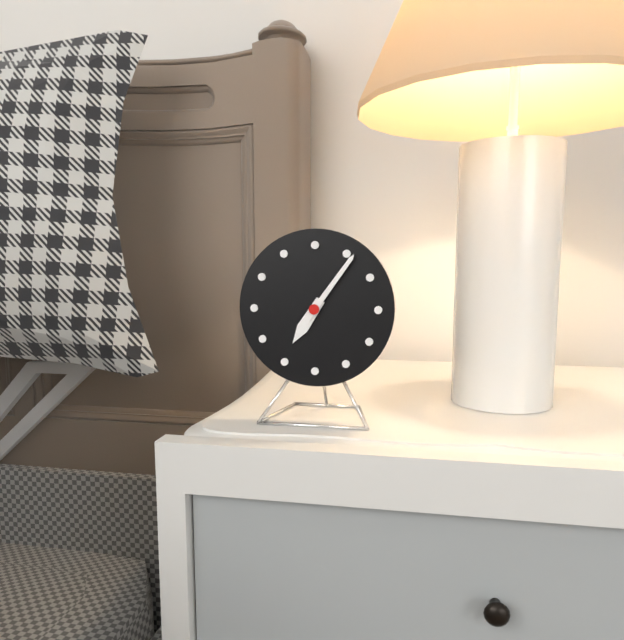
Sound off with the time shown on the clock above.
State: 7:06
